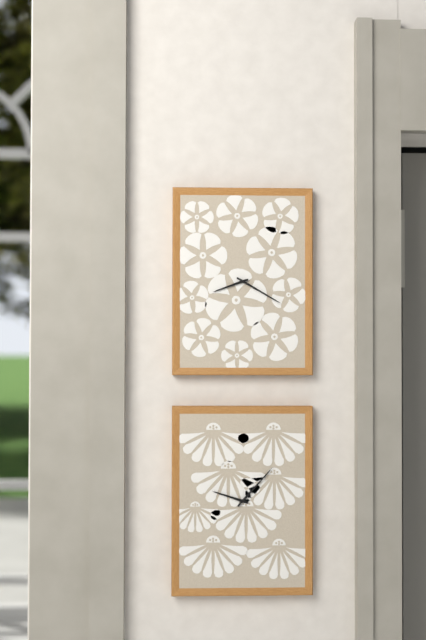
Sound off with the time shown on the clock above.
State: 8:20
